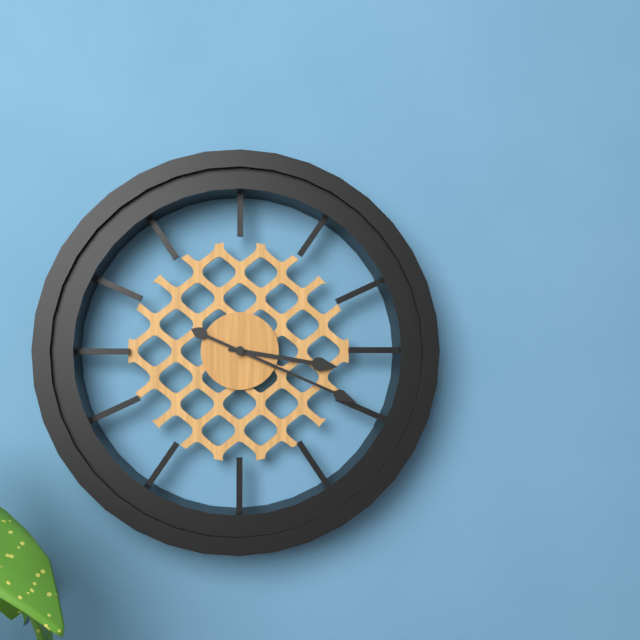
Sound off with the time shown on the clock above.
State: 3:19
